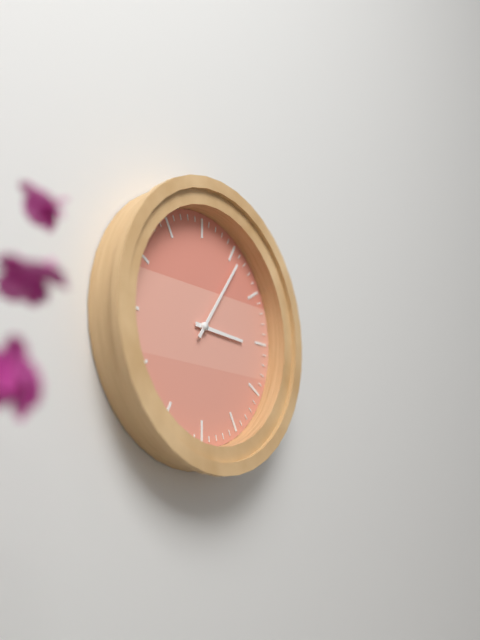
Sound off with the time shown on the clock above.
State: 3:06
